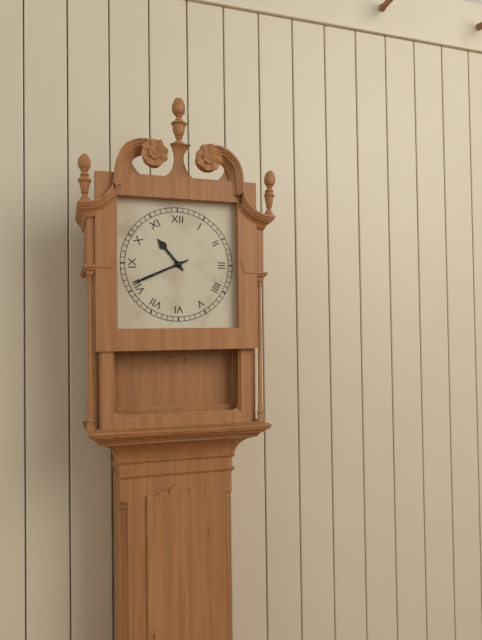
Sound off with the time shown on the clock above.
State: 10:41
